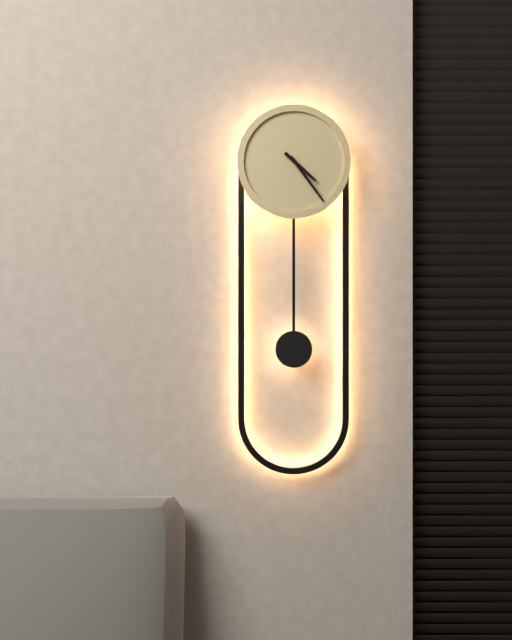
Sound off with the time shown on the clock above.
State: 4:24
